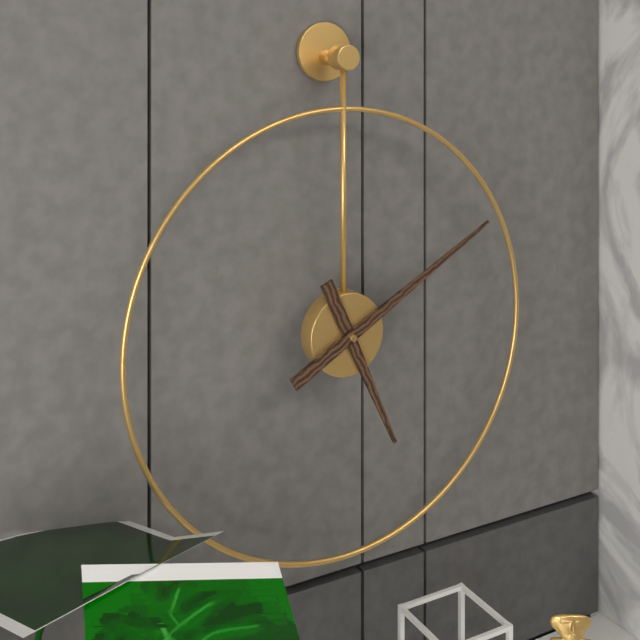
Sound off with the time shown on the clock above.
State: 5:10
